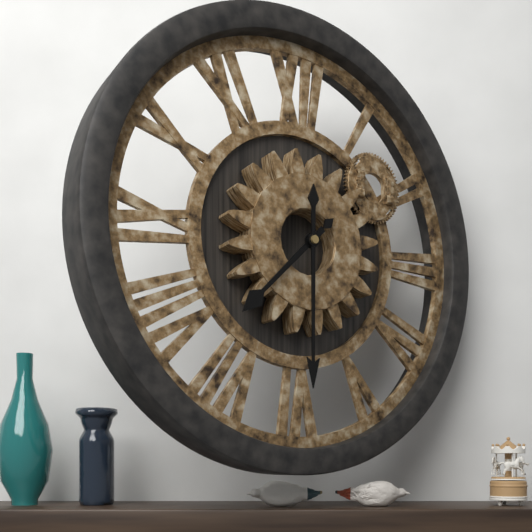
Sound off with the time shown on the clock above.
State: 7:30
